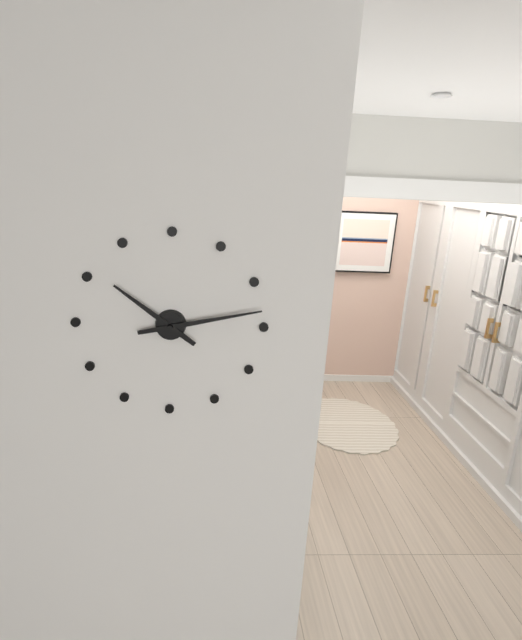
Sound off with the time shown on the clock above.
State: 10:13
